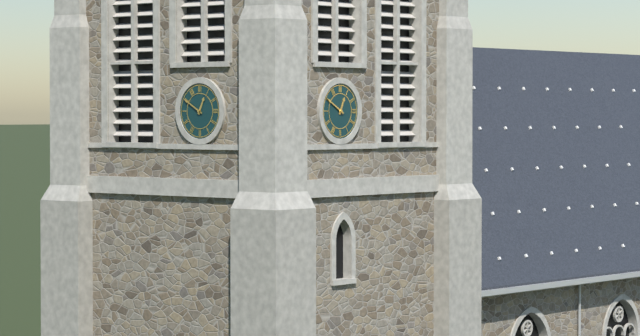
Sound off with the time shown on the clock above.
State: 12:50
